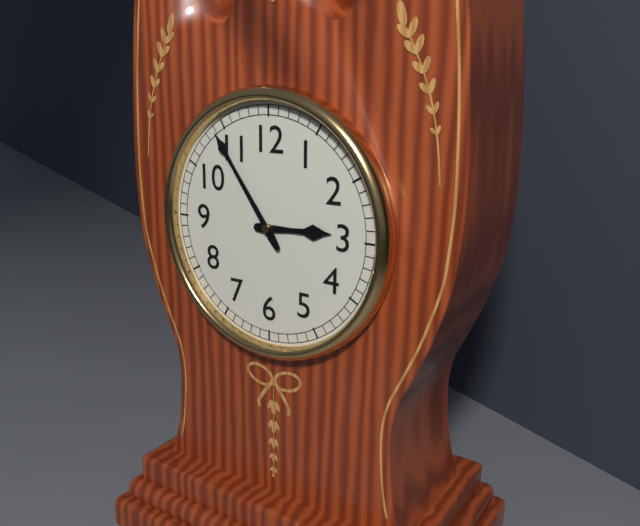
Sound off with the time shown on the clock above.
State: 2:54
